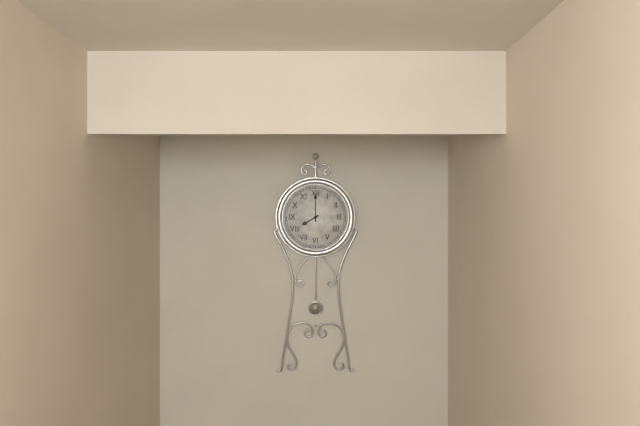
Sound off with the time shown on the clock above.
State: 8:00
